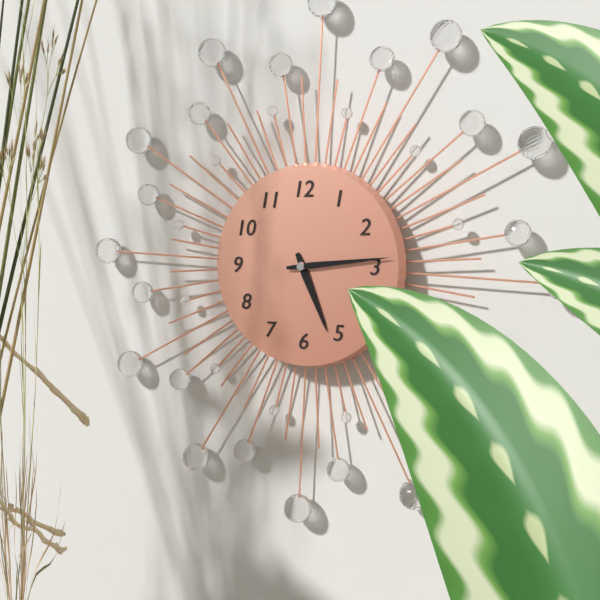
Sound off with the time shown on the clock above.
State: 5:14
